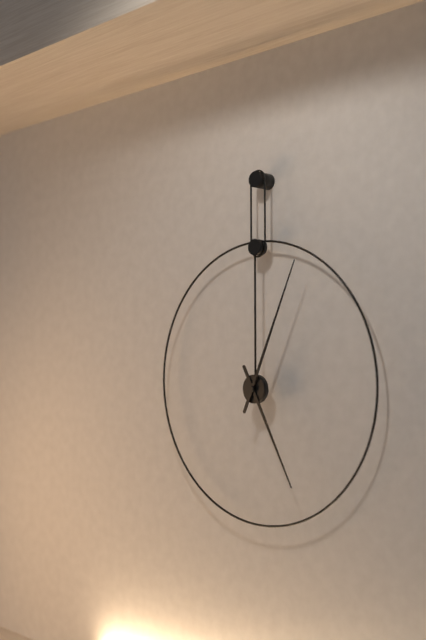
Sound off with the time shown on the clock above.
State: 5:04
